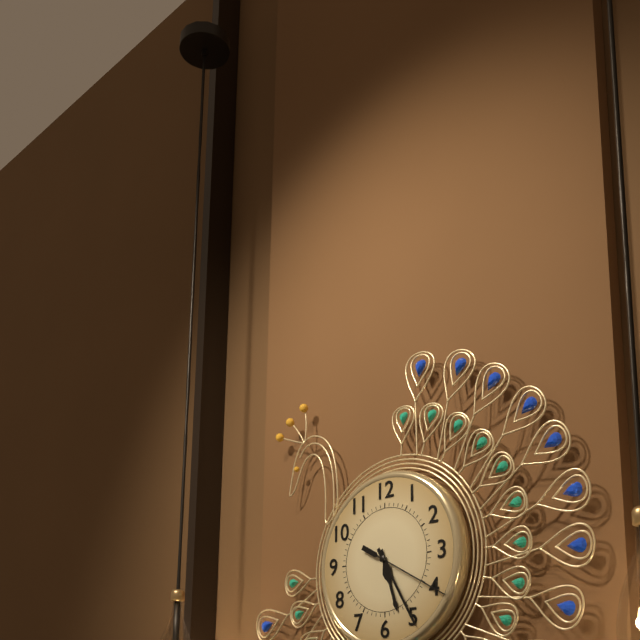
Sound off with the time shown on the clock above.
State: 5:25:20
